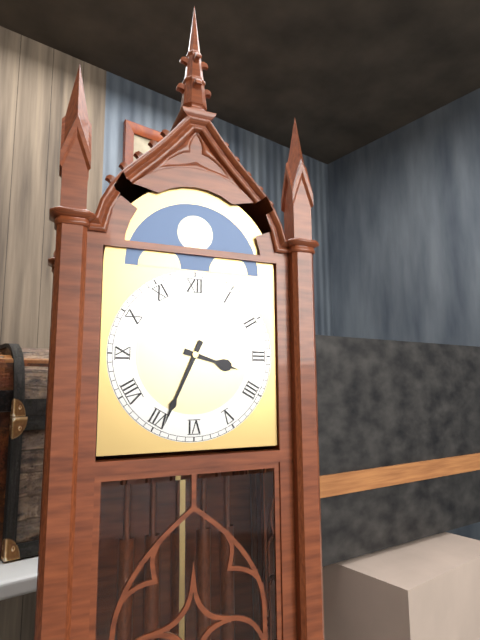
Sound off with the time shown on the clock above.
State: 3:34
